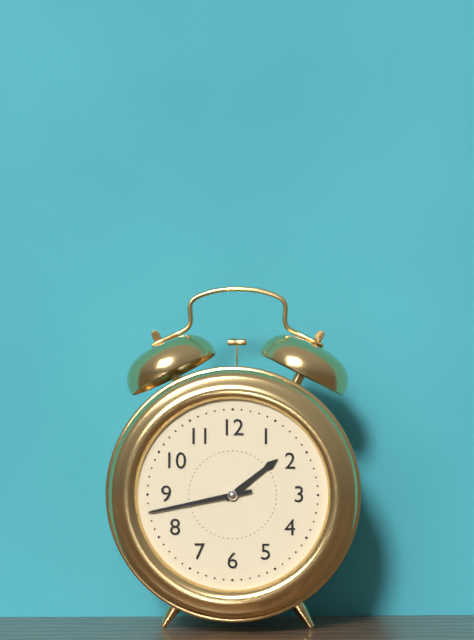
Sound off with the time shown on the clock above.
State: 1:43
